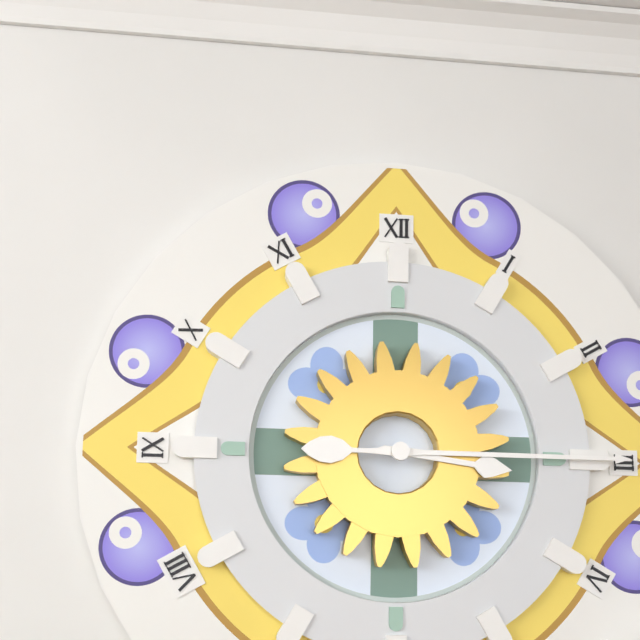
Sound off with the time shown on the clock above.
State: 3:15
